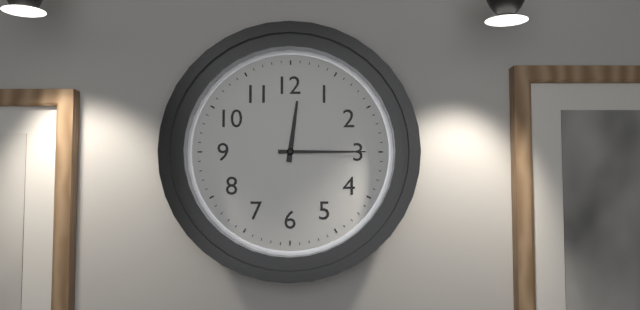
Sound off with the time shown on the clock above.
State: 12:15
